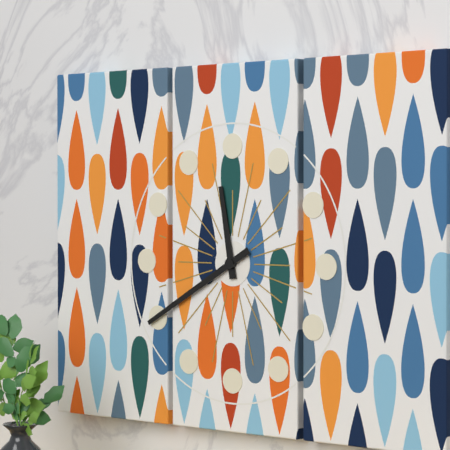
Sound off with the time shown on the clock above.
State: 11:40
